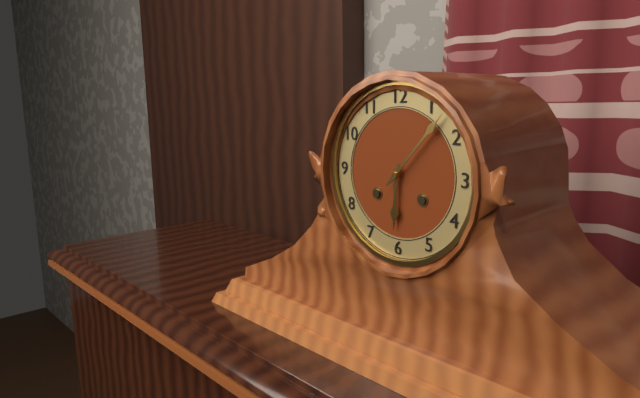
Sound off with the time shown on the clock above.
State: 6:07
